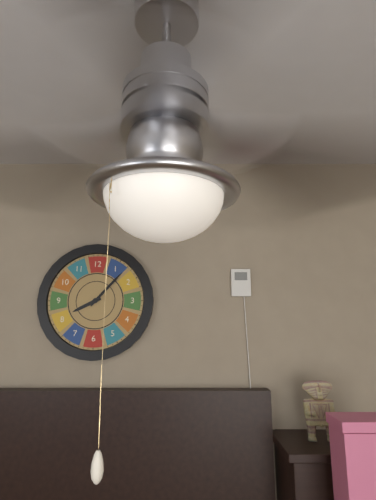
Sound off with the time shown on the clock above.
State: 8:07
